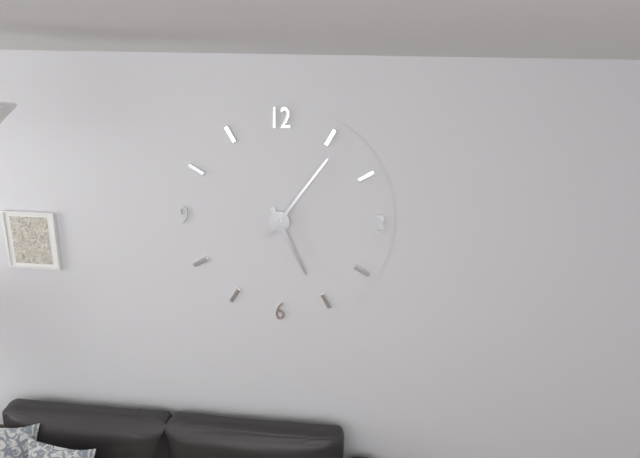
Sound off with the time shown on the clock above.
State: 5:06
